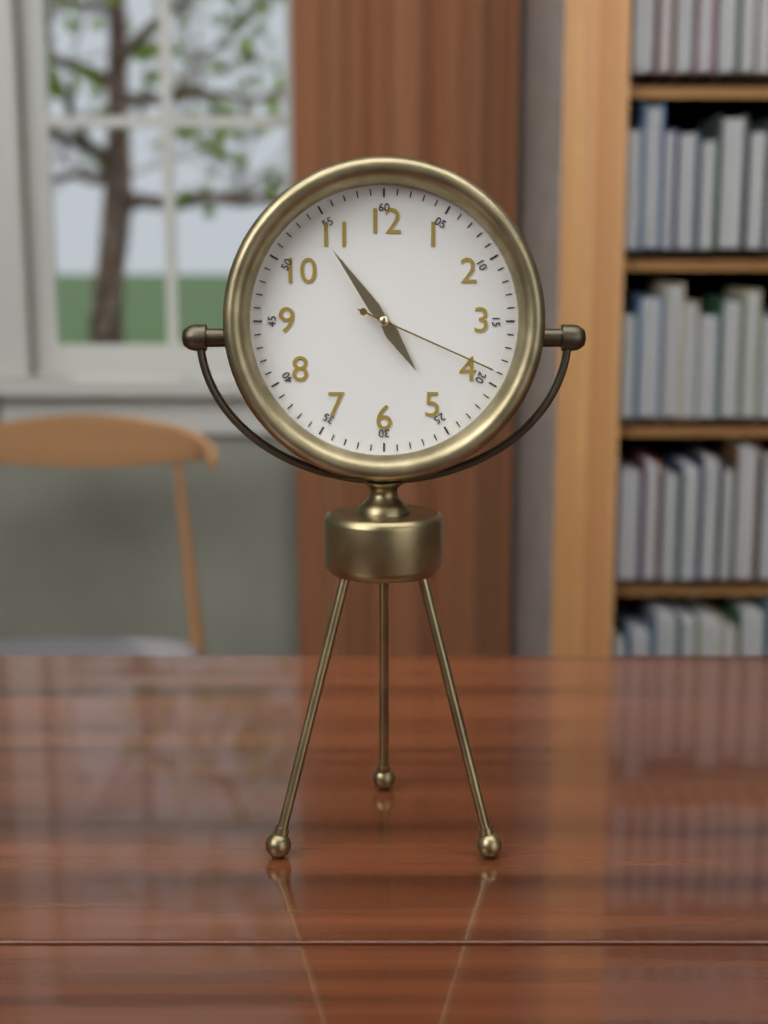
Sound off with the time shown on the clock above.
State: 4:54:19
